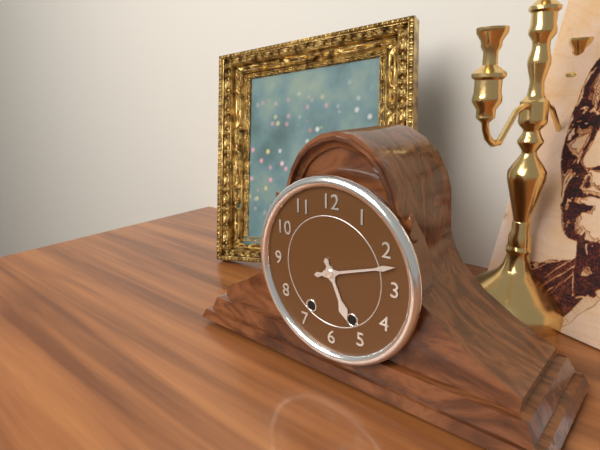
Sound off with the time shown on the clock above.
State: 5:12
